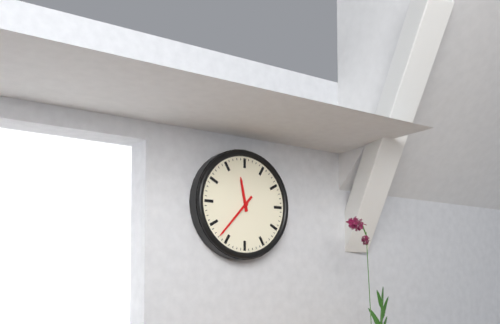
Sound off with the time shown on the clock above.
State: 11:37
